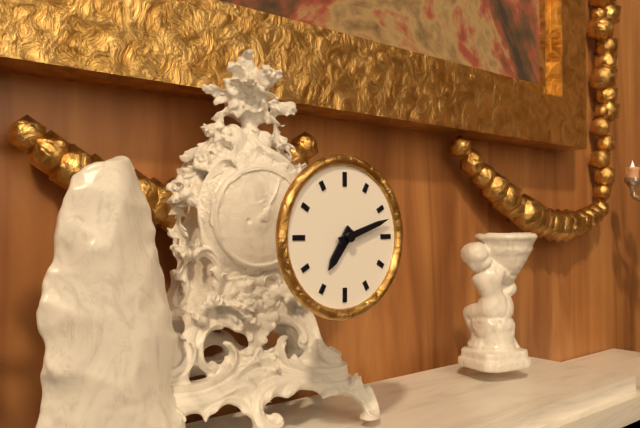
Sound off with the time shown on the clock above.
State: 7:12
